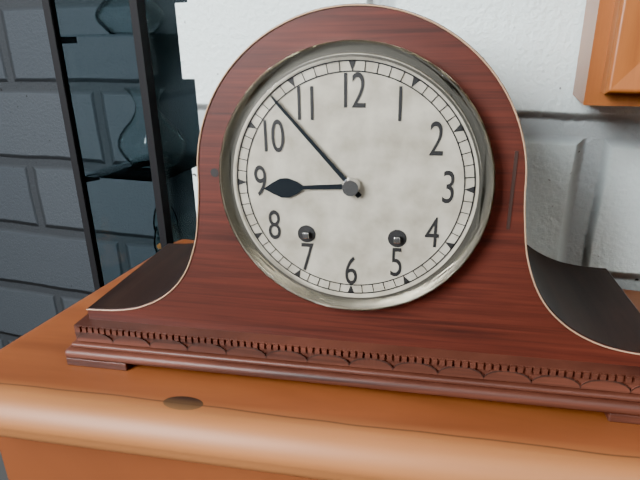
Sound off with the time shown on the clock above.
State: 8:53
